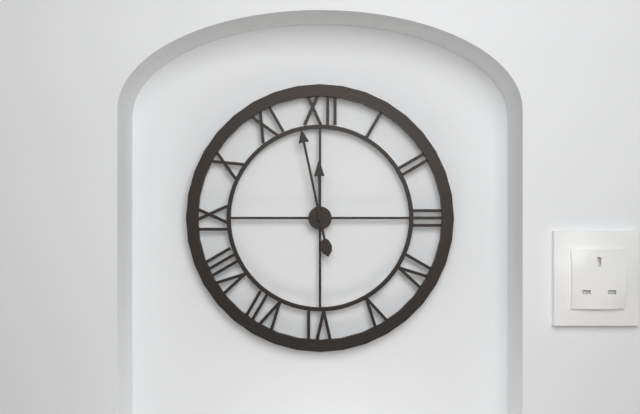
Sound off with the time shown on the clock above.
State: 11:58
